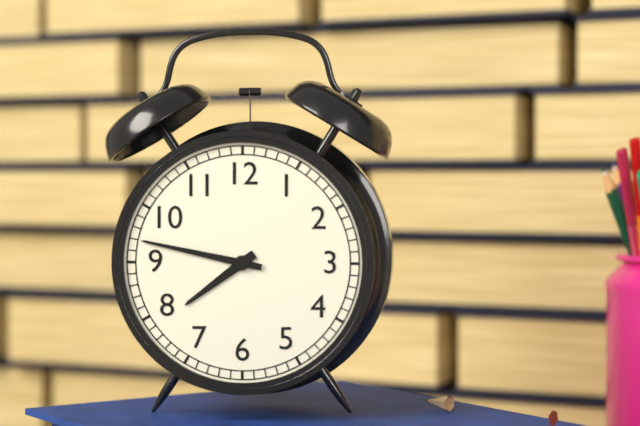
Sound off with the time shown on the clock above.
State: 7:47
